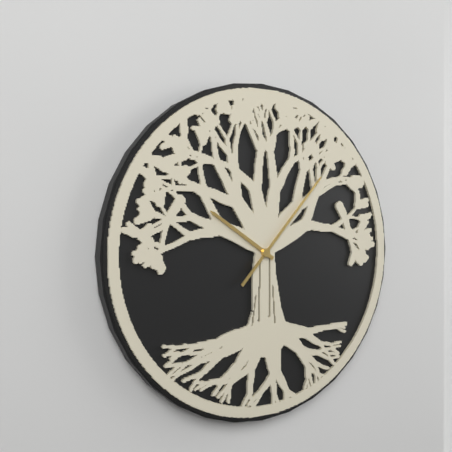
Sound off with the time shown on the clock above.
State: 10:07
